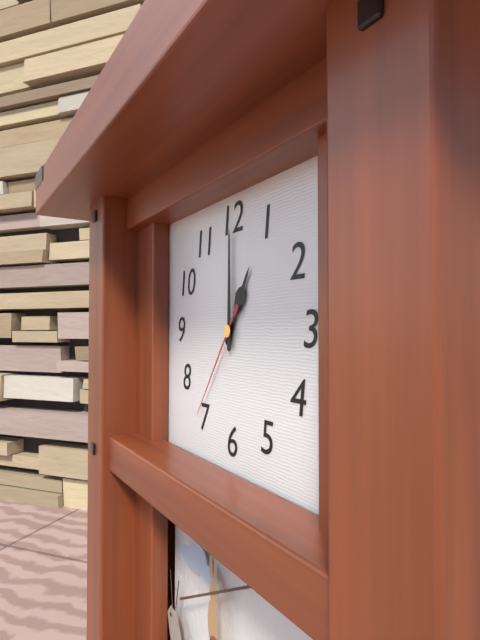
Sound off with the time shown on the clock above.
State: 1:00:36
